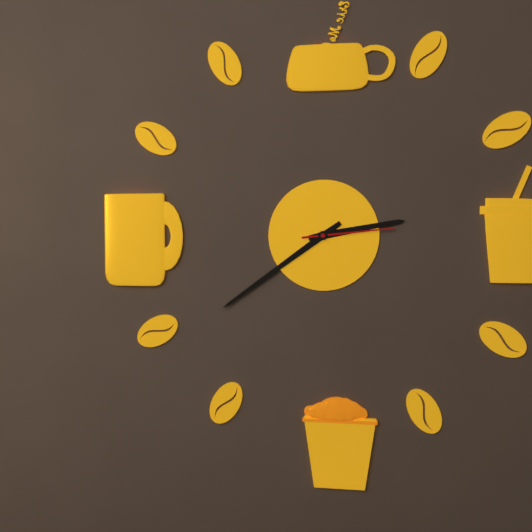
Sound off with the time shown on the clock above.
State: 2:39:14
